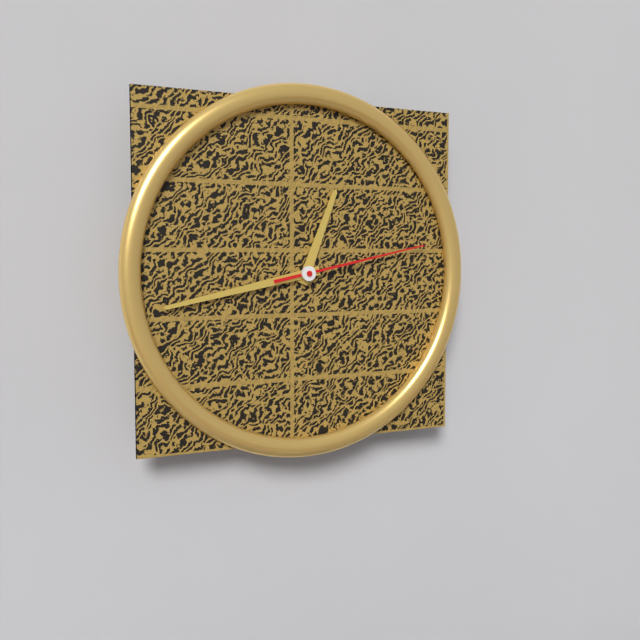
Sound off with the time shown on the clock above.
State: 12:43:13
